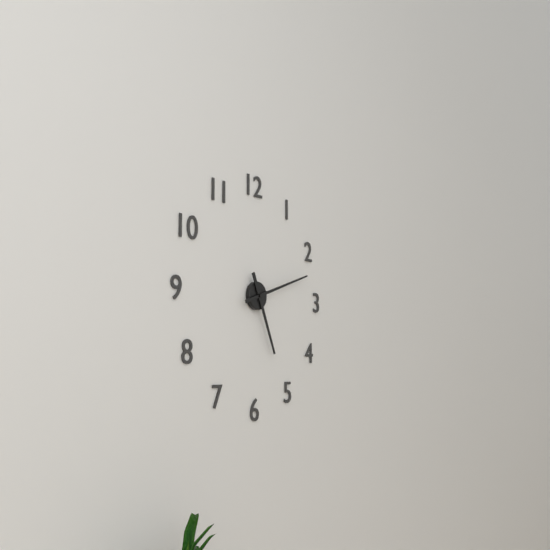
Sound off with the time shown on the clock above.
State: 5:12
